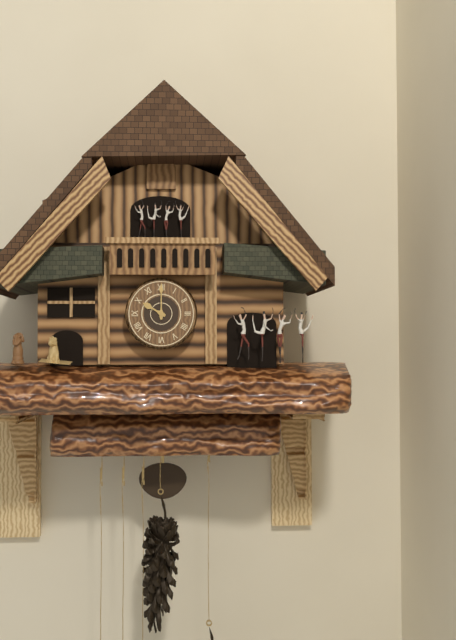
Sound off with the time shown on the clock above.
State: 10:00
